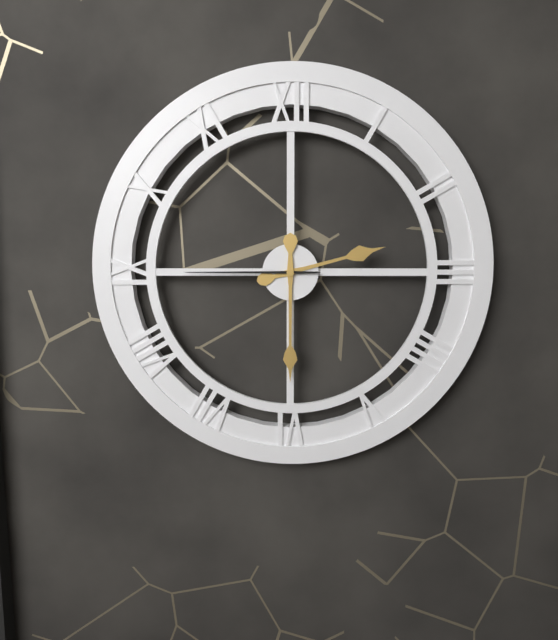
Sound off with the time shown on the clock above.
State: 2:30:45
